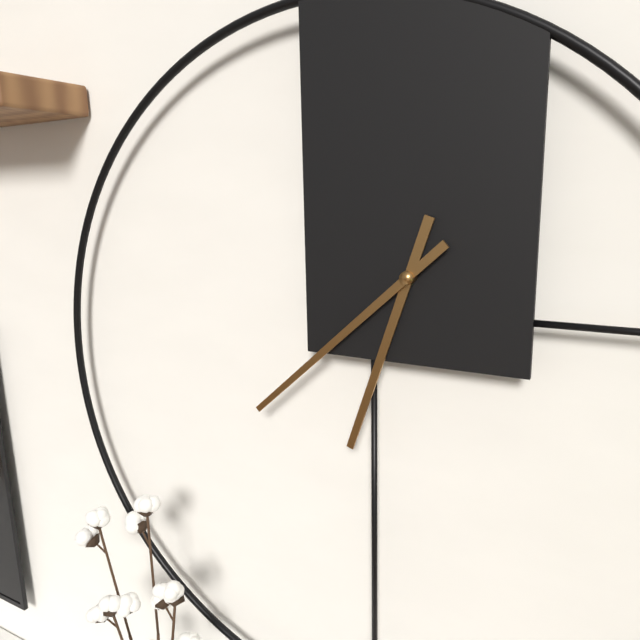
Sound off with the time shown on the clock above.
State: 6:38
